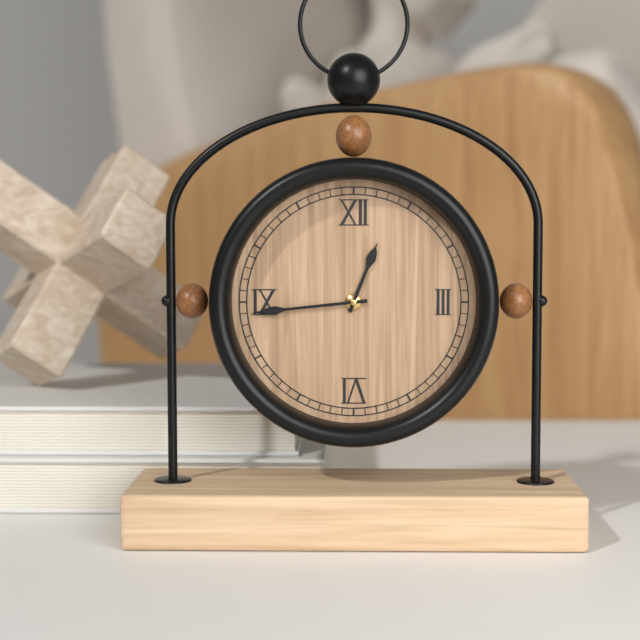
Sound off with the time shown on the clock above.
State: 12:44
